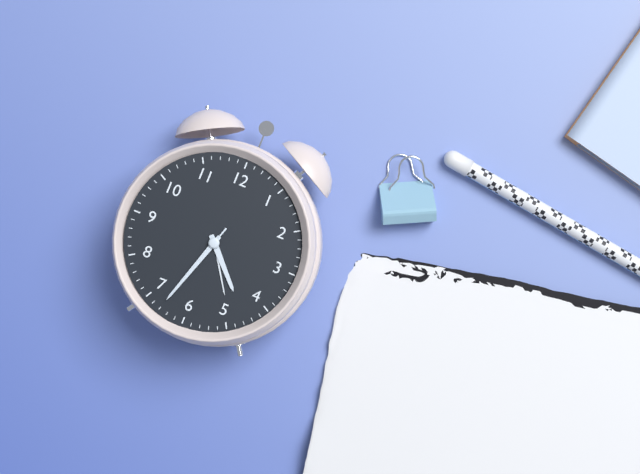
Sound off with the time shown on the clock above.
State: 4:33:33
